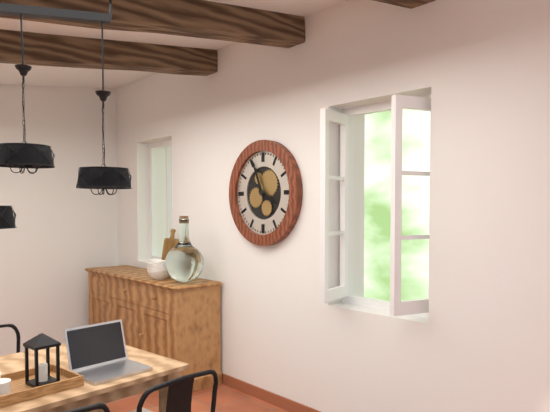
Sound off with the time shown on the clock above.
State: 3:56
